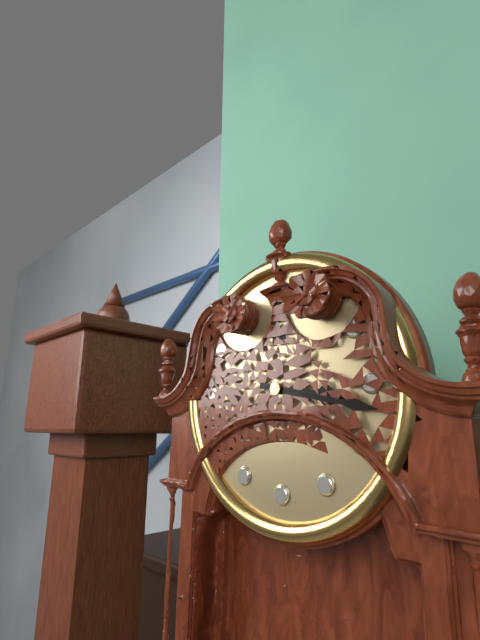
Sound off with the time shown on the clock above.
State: 3:17
